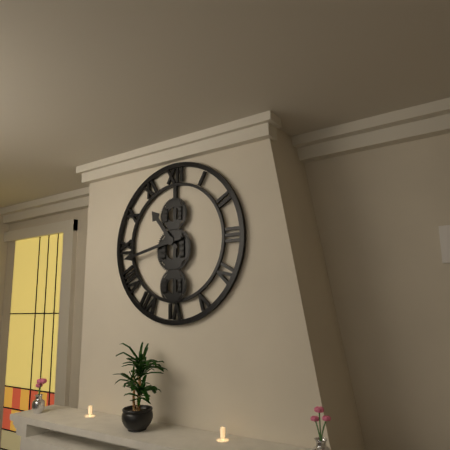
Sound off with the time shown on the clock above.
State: 10:43
